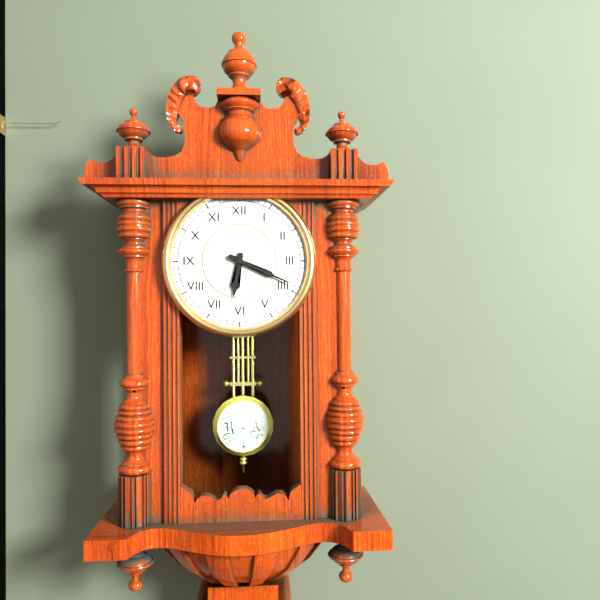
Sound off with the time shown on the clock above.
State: 6:19
